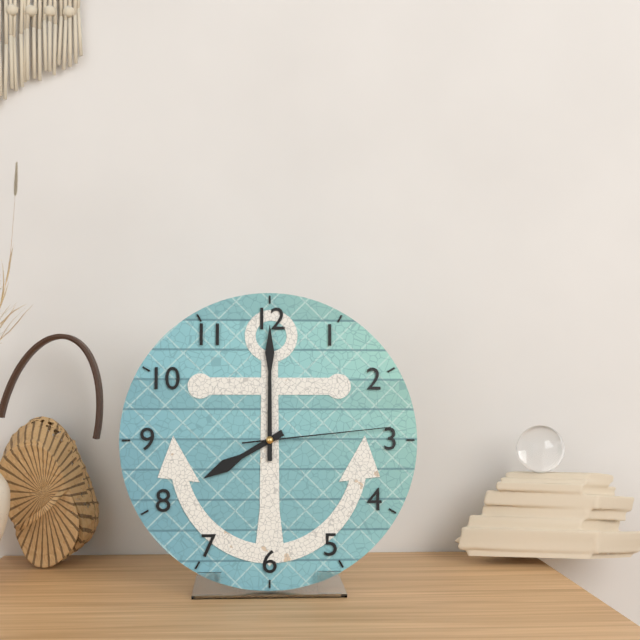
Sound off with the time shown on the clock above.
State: 8:00:14
